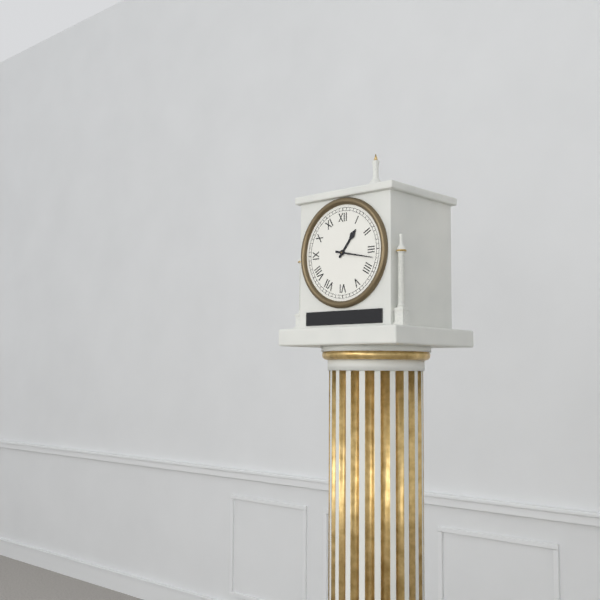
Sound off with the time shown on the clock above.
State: 1:17
